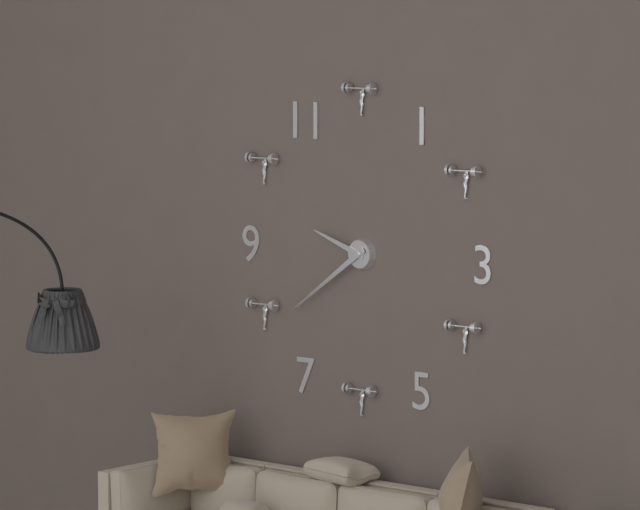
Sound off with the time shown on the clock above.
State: 9:39
